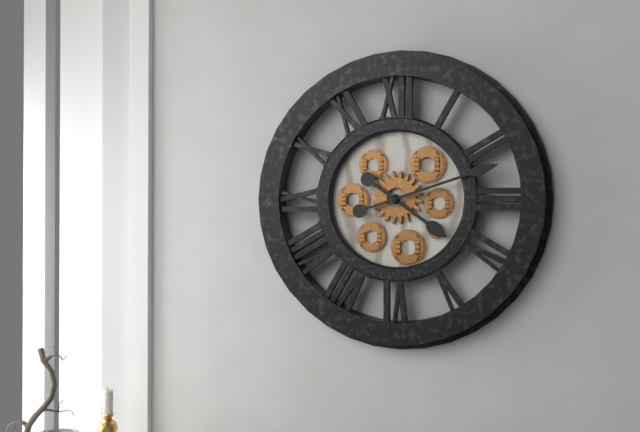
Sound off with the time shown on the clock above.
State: 4:12
